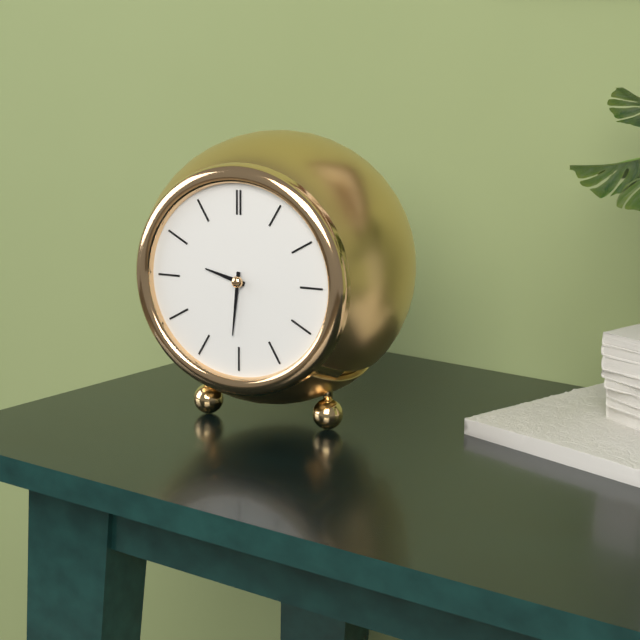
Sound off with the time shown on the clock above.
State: 9:31
